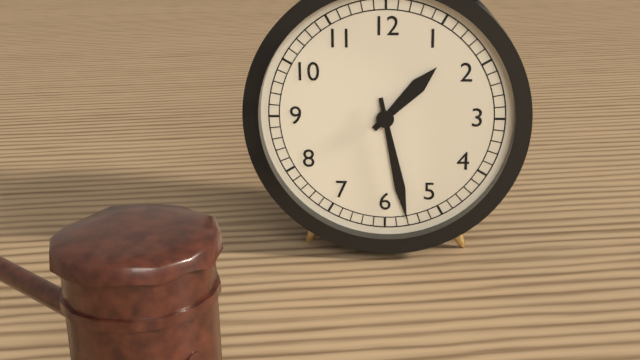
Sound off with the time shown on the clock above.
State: 1:28
